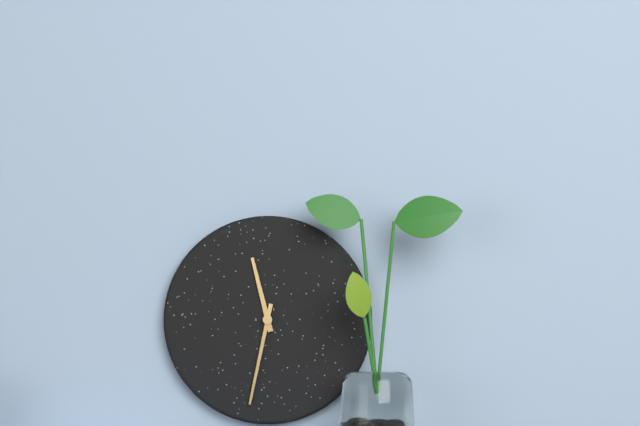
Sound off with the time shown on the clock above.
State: 11:32
